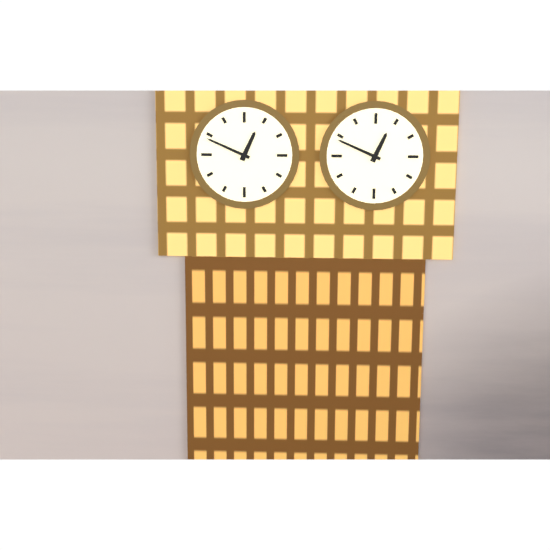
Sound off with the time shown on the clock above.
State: 12:49
